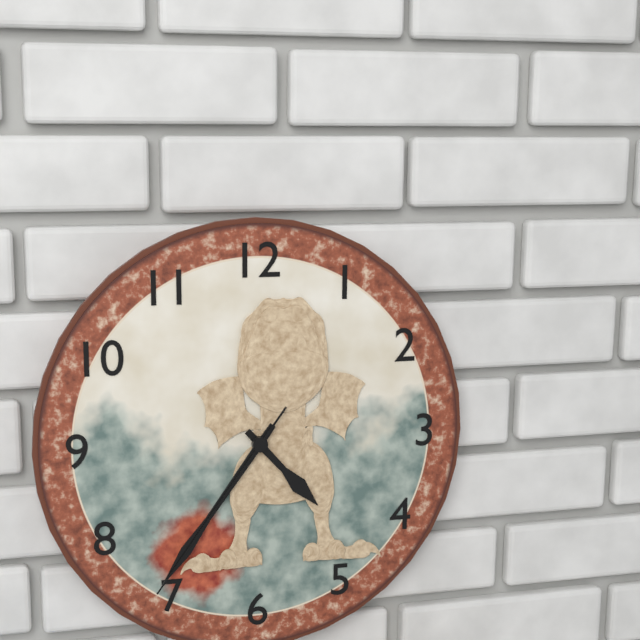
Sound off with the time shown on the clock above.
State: 4:36:36
